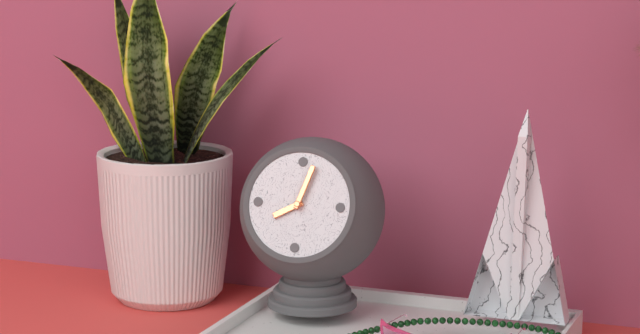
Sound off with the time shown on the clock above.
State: 8:03
